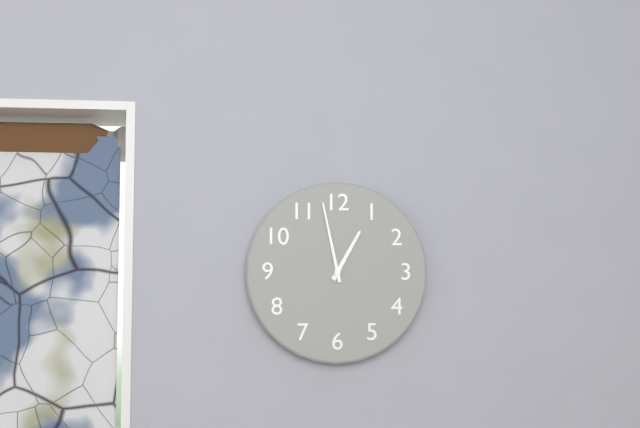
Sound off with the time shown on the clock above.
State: 12:58
